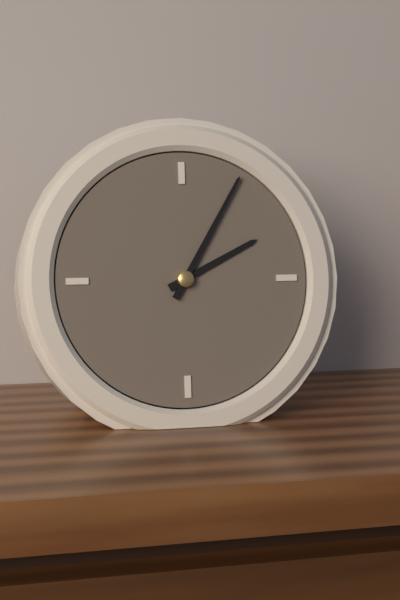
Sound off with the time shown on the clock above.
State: 2:05
